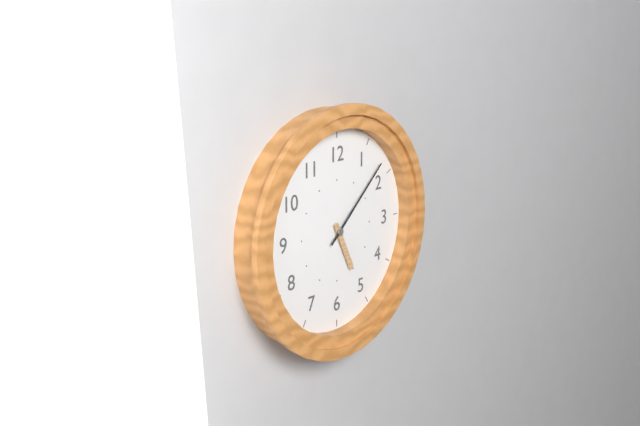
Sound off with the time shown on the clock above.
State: 5:08
